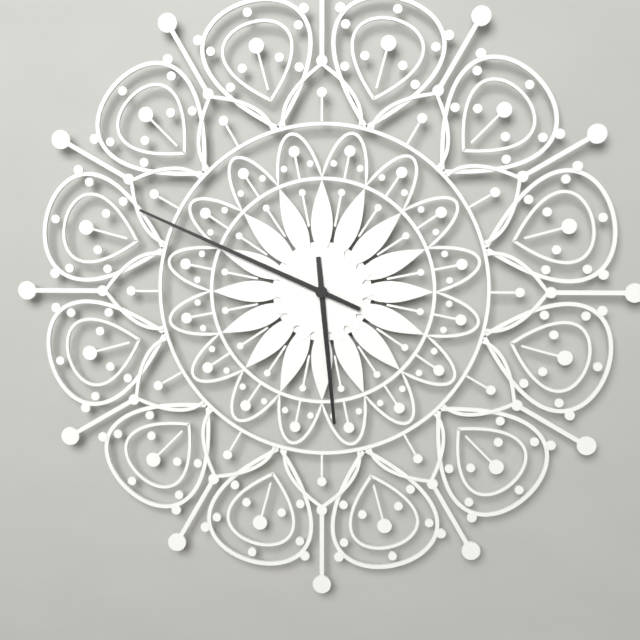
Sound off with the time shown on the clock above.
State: 5:49
